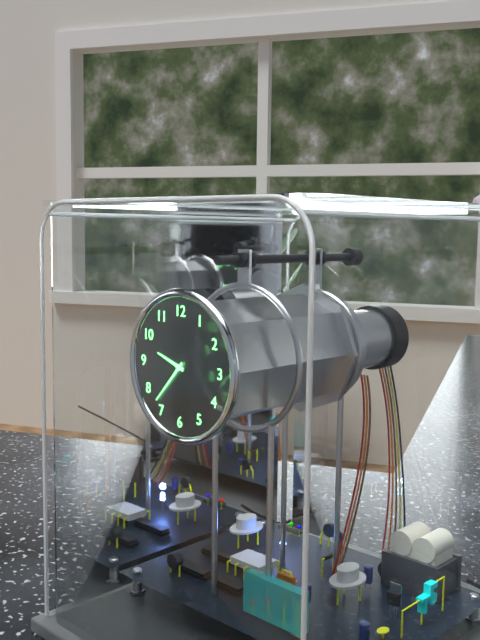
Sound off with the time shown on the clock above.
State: 9:37
